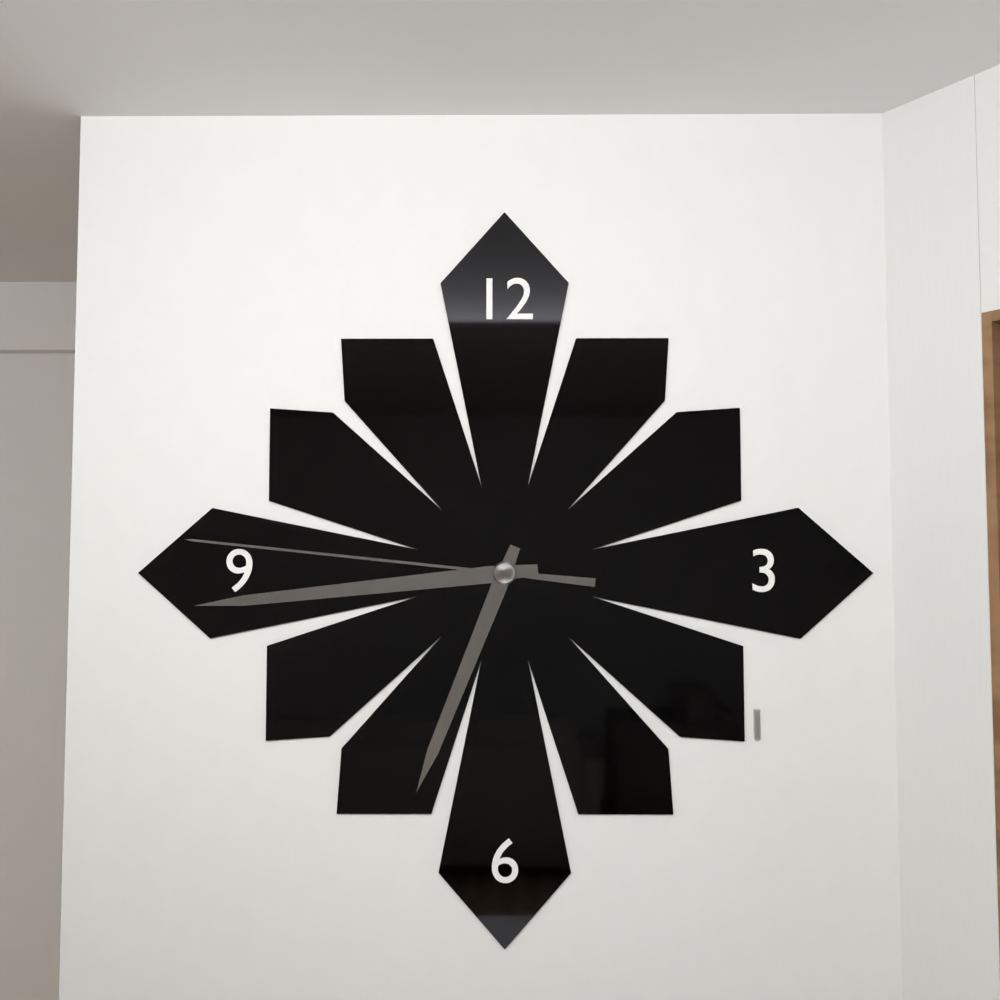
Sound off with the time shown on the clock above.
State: 6:44:46
